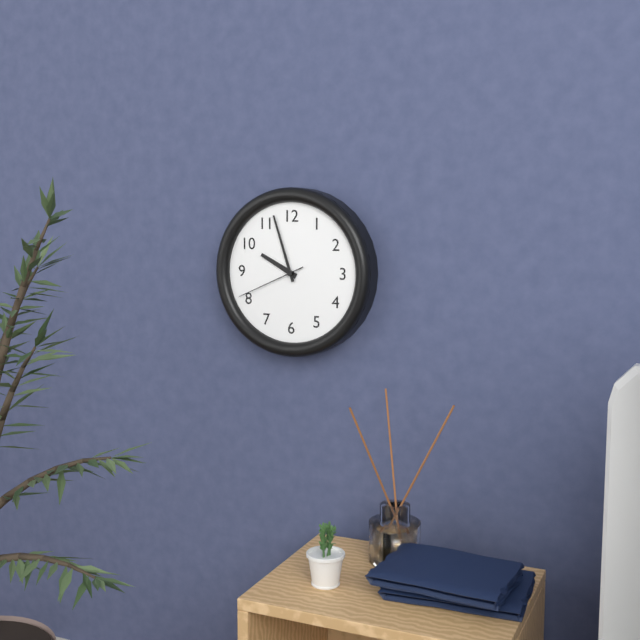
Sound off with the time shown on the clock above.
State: 9:57:41
